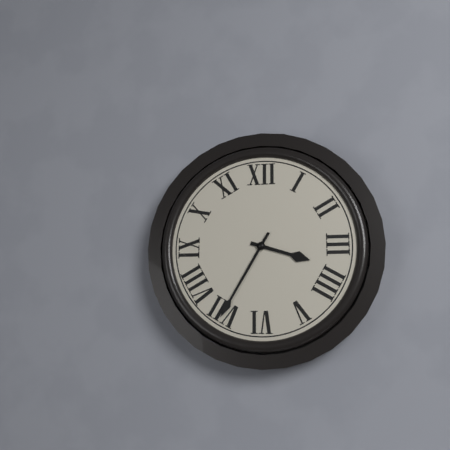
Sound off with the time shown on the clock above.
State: 3:35
